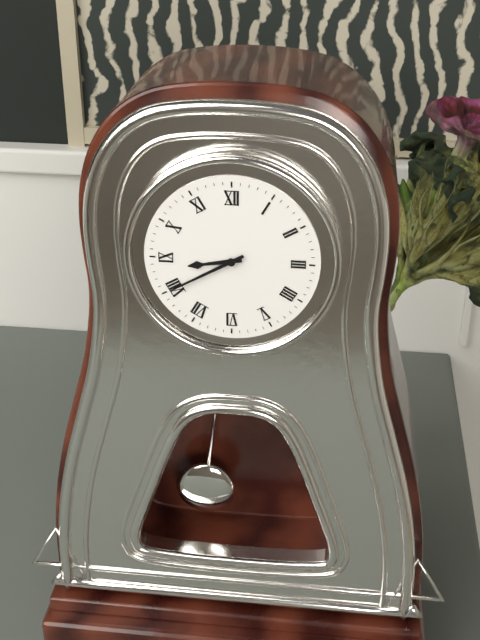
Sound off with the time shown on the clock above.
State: 8:40
